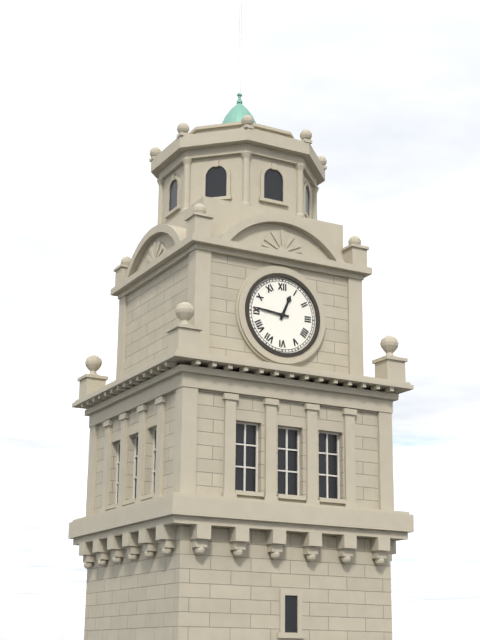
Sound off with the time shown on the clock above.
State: 12:46
